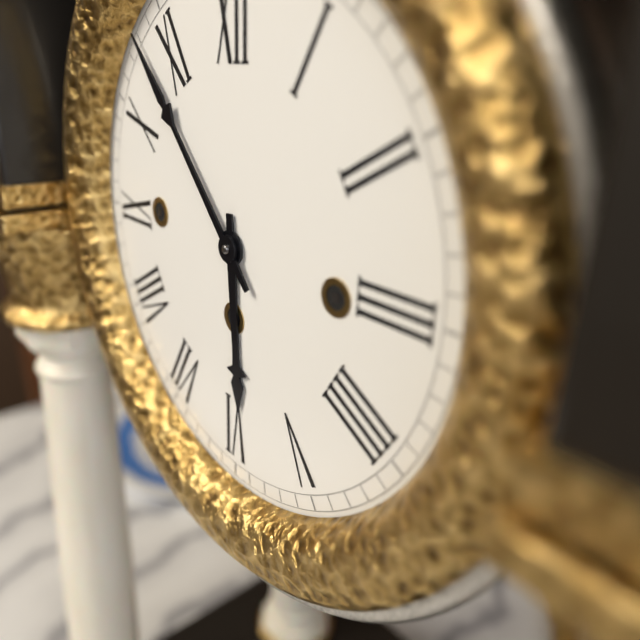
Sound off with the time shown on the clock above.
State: 5:53
